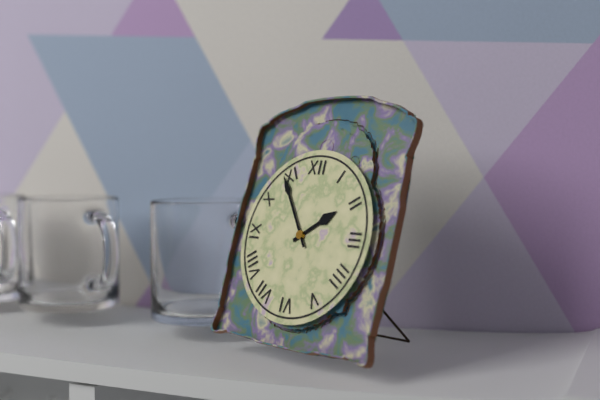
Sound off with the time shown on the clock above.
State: 1:54
